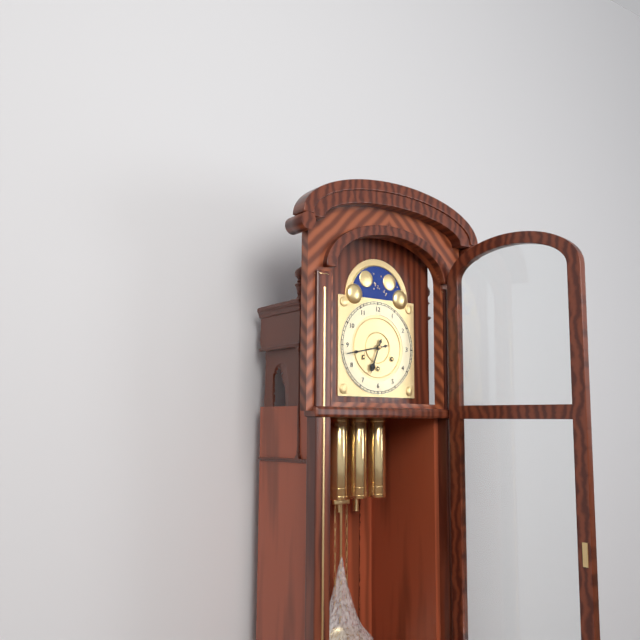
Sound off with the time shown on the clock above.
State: 6:43
